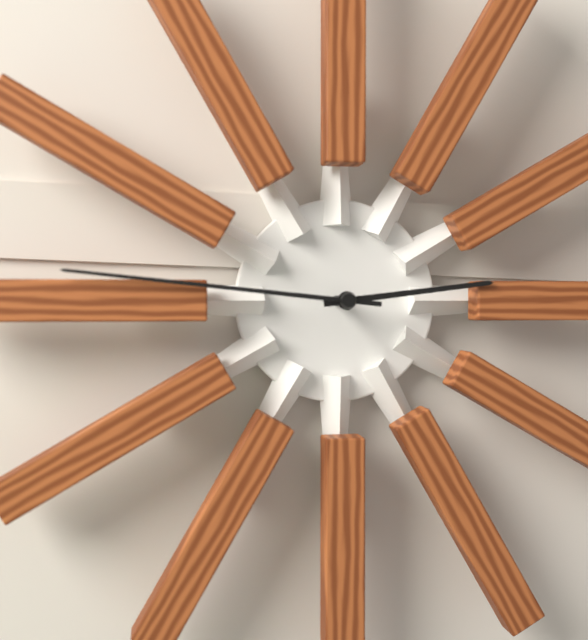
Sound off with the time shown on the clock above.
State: 2:46
